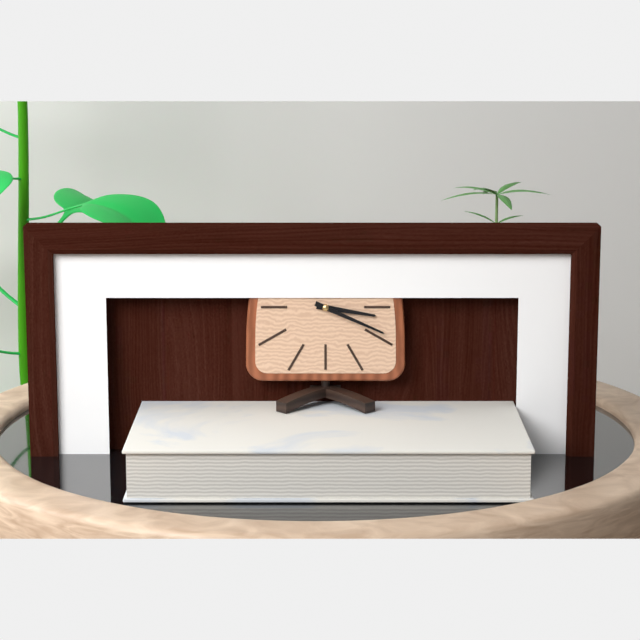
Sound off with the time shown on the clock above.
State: 3:19
